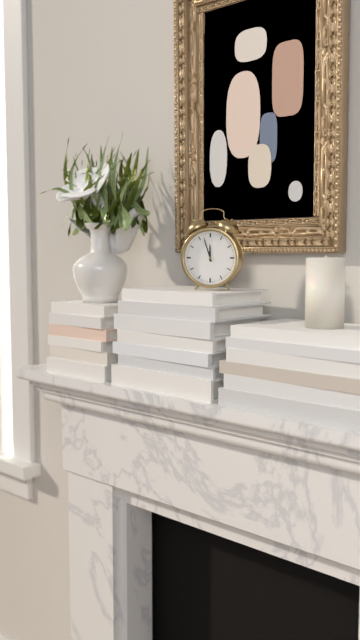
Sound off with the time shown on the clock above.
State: 11:57
